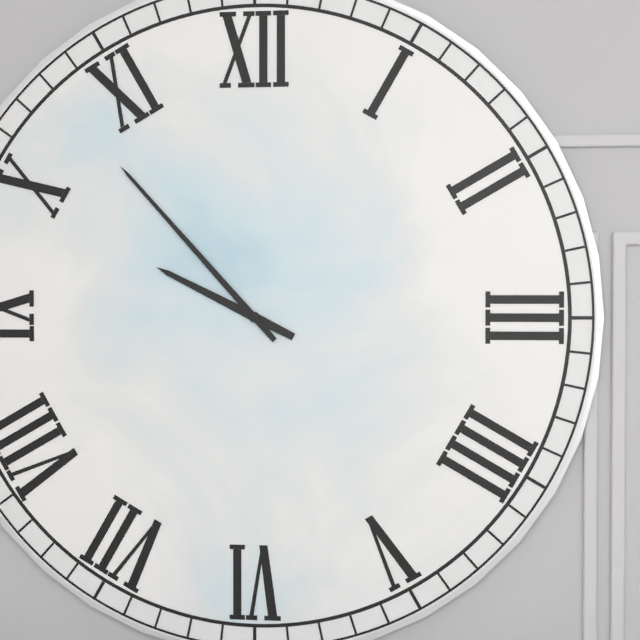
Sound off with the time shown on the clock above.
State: 9:53
